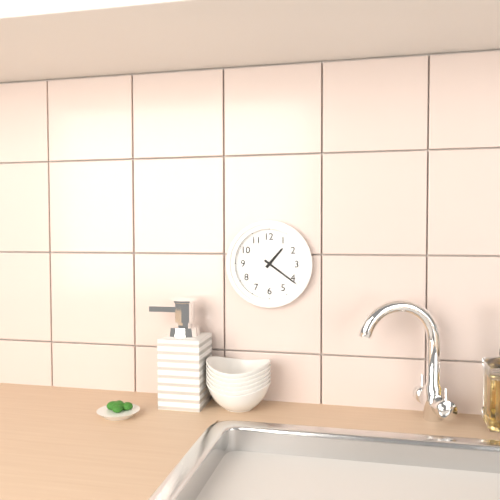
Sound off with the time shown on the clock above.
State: 1:21
